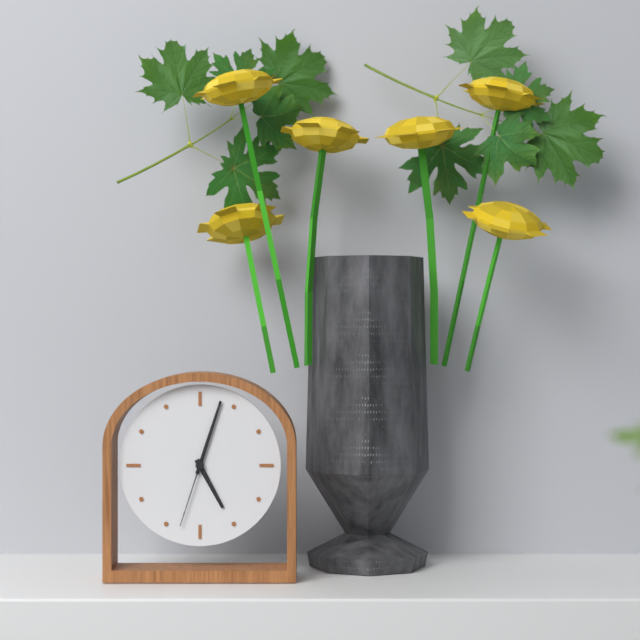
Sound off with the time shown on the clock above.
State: 5:03:33
